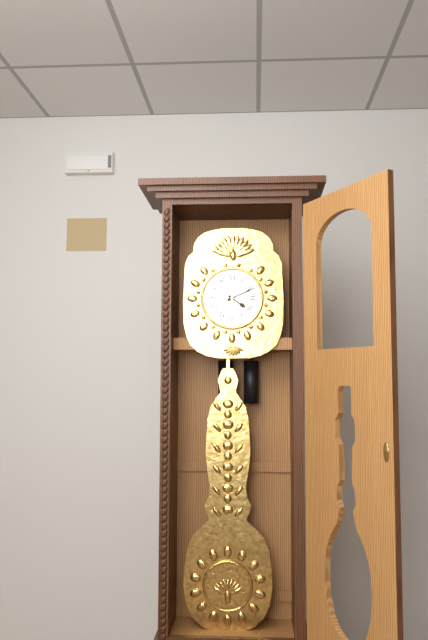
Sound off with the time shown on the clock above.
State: 4:11
